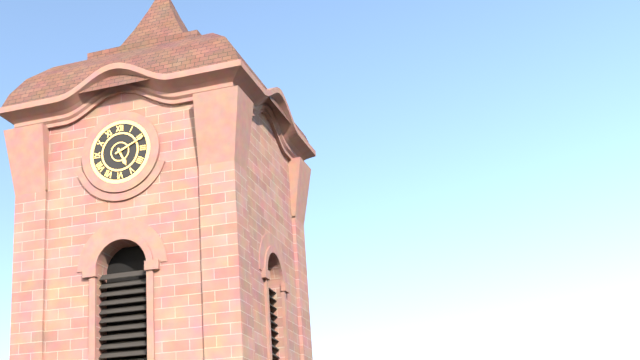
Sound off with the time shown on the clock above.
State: 5:11
